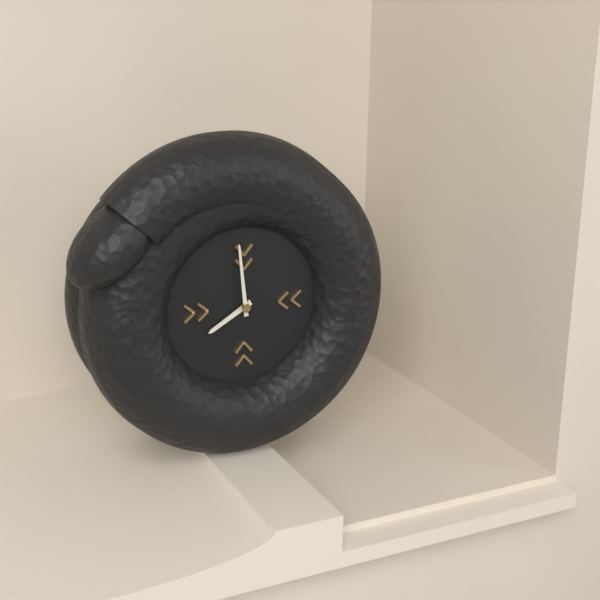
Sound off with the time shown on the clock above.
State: 7:59
